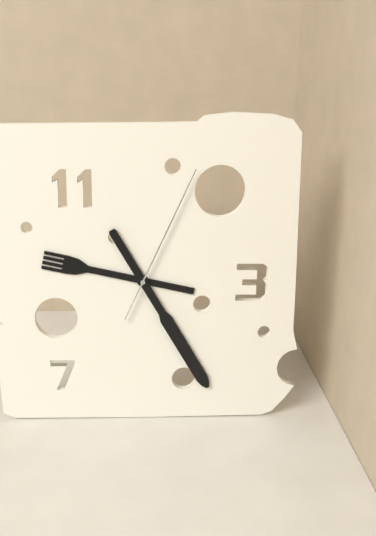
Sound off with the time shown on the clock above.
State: 9:25:04
